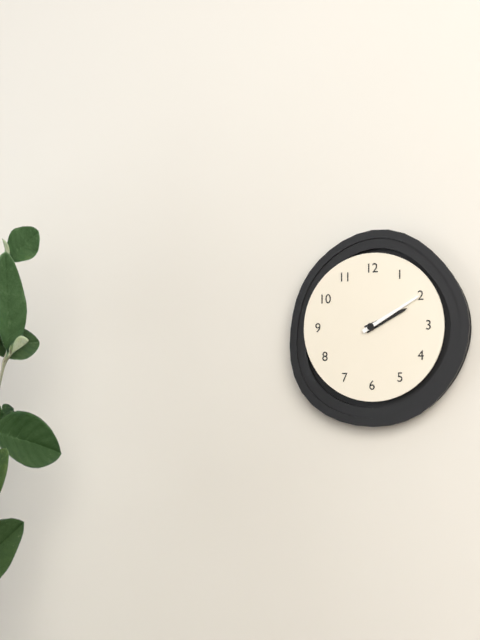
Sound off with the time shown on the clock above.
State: 2:10
